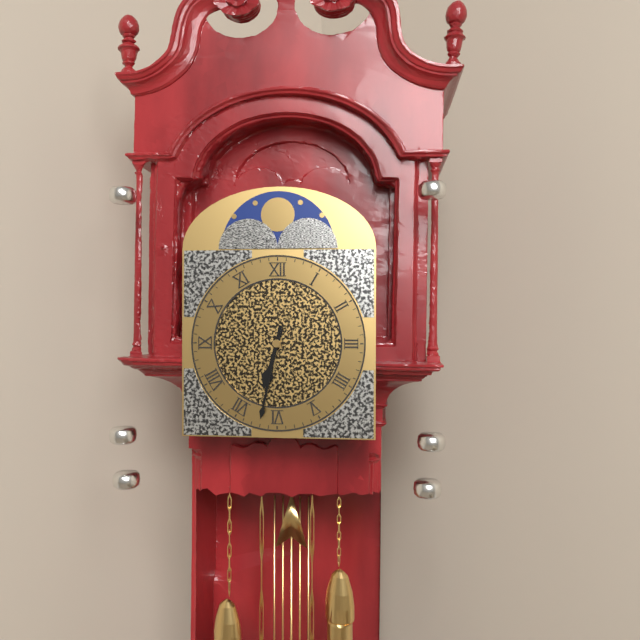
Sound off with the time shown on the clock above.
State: 6:32
